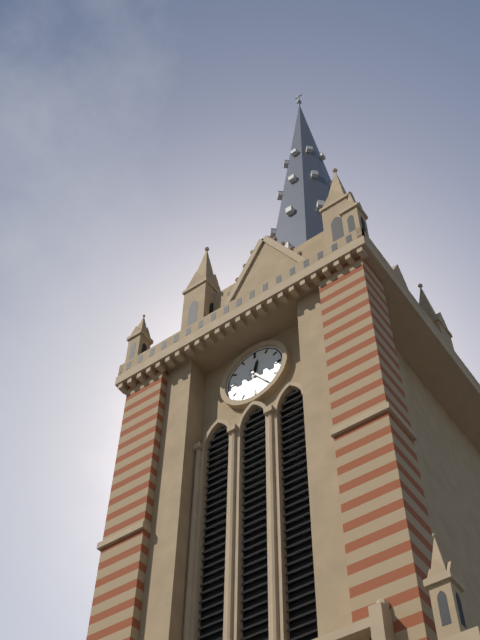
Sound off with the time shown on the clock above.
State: 12:24
